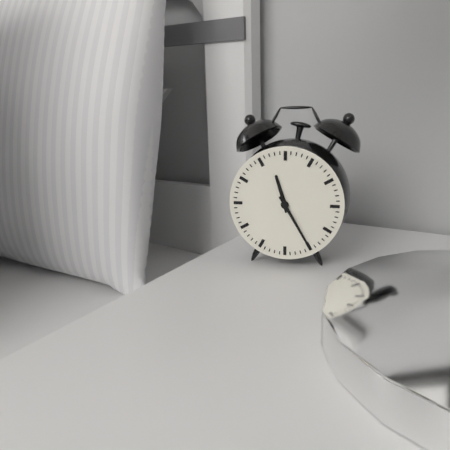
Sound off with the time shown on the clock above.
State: 11:25
